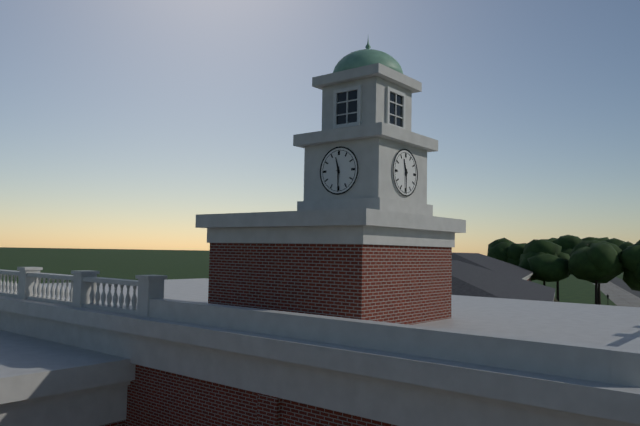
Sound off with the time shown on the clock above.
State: 11:30
